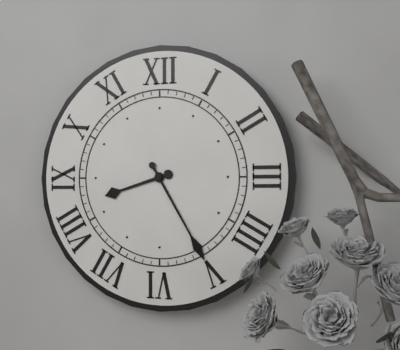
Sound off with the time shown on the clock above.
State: 8:25
